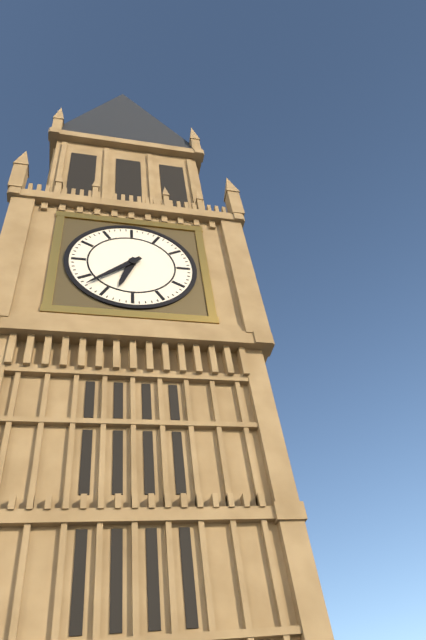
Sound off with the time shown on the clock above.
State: 6:38
